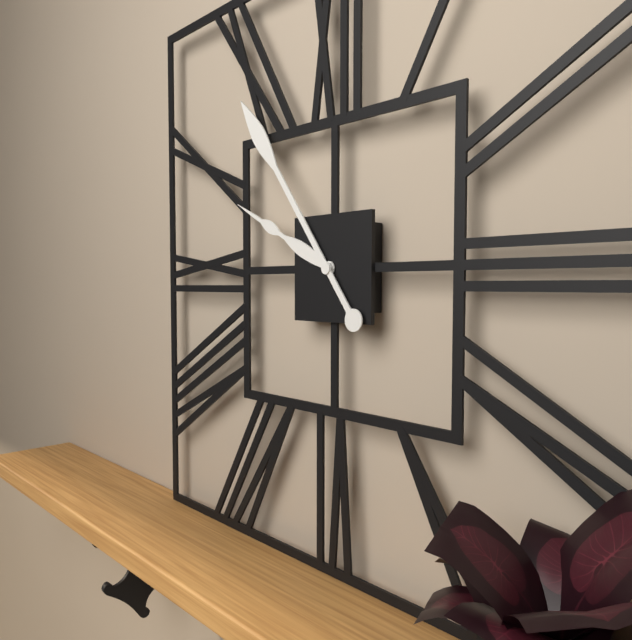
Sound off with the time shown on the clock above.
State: 9:54
